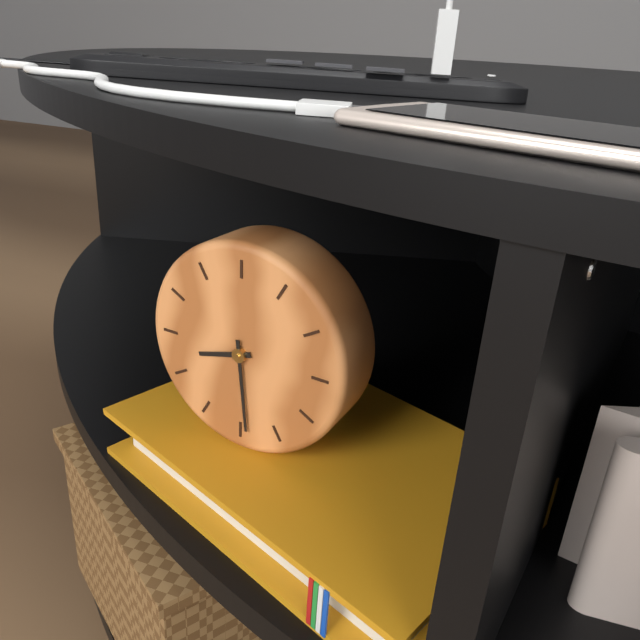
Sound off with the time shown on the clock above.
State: 8:29
